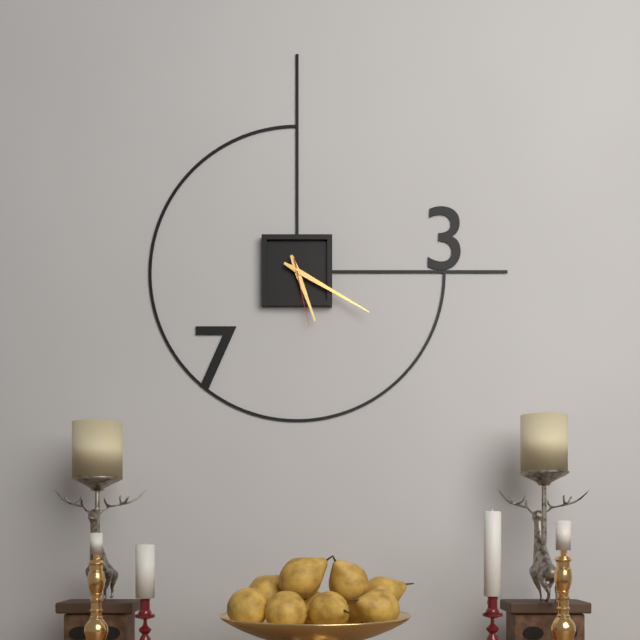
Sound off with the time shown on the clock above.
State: 5:20:28
